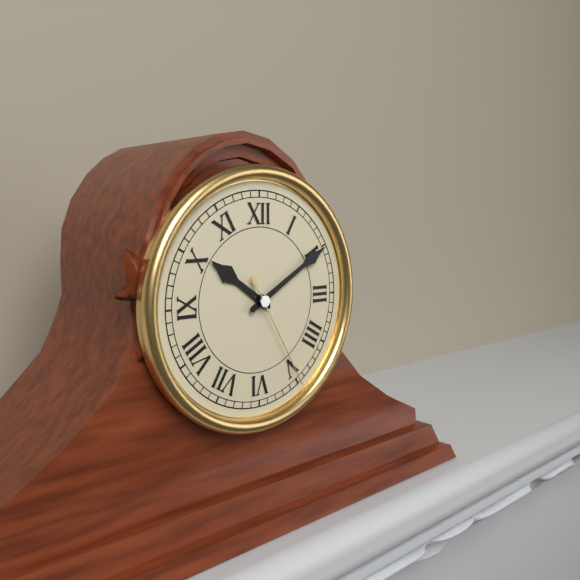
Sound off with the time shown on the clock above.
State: 10:10:25
